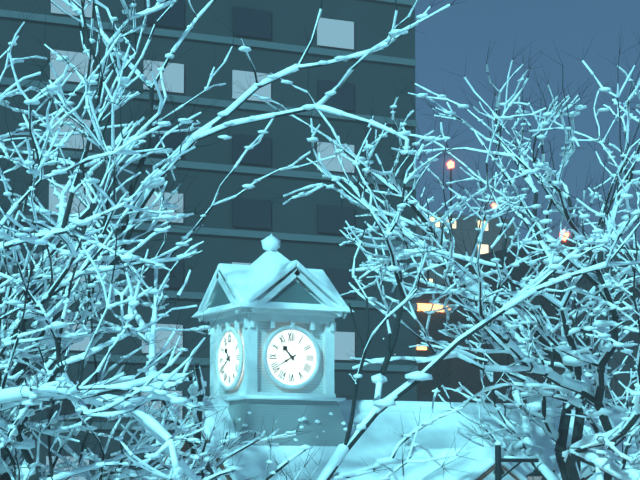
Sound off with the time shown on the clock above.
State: 10:40
